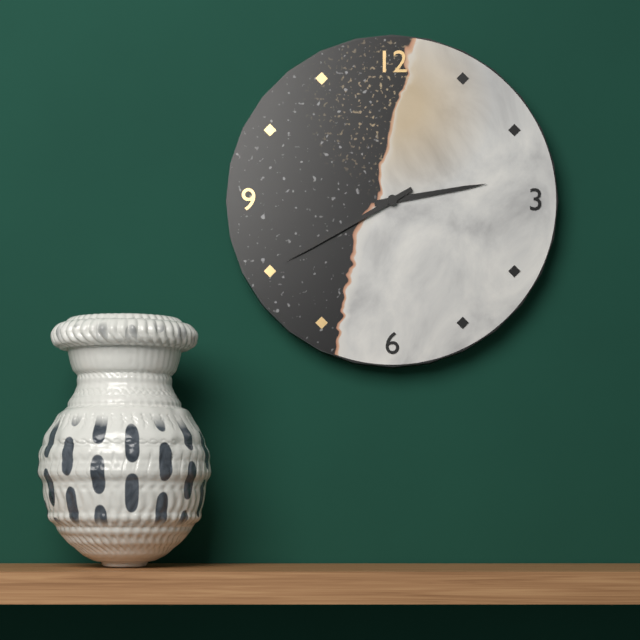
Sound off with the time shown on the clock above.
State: 2:40
